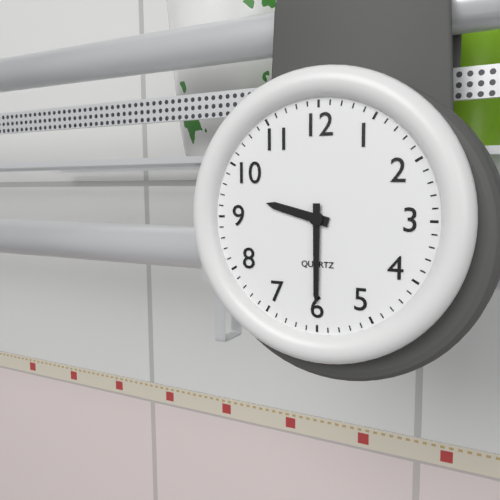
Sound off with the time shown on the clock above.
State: 9:30
